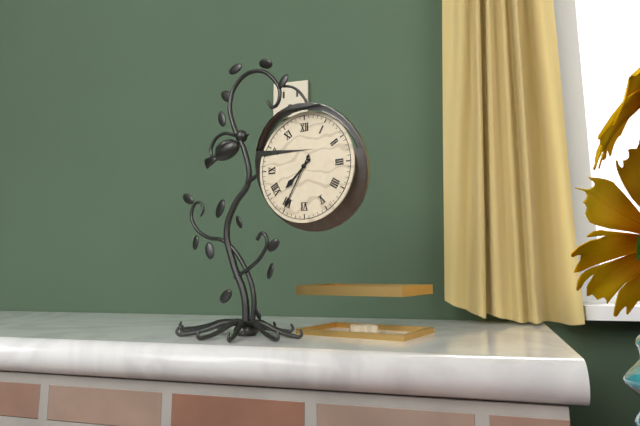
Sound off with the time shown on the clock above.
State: 7:35
